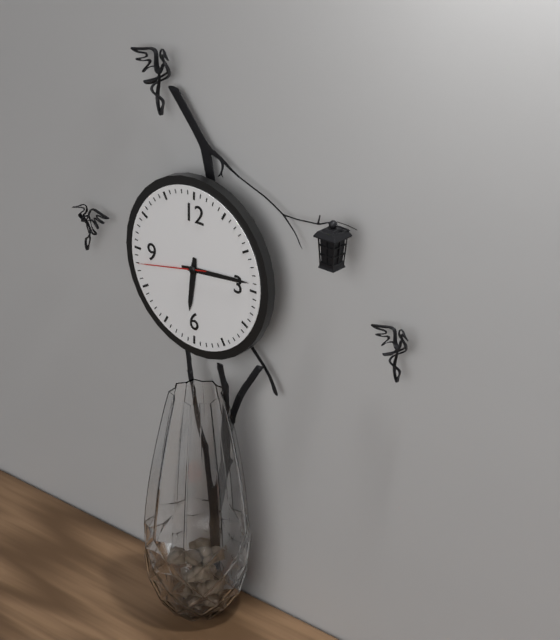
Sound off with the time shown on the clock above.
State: 6:14:43
